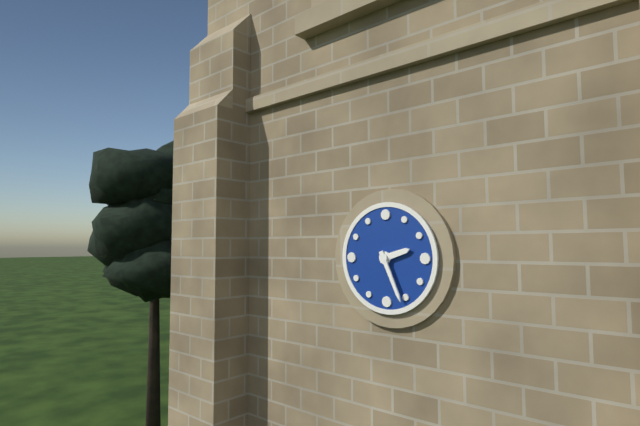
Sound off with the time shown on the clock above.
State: 2:26
